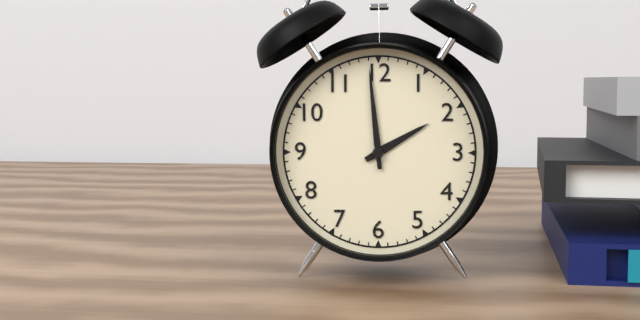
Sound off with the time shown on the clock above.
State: 1:59
